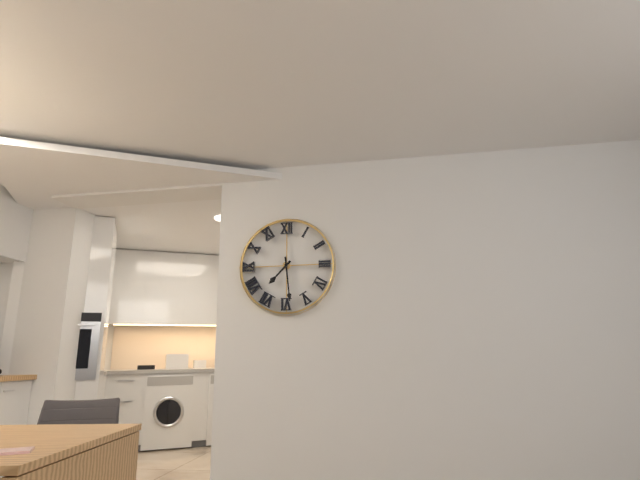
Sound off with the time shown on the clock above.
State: 7:29
